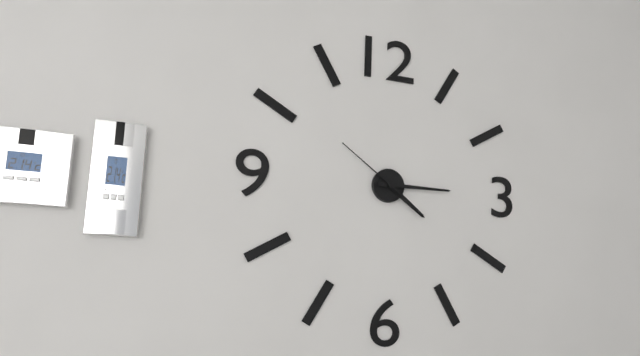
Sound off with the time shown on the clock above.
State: 4:15:51
